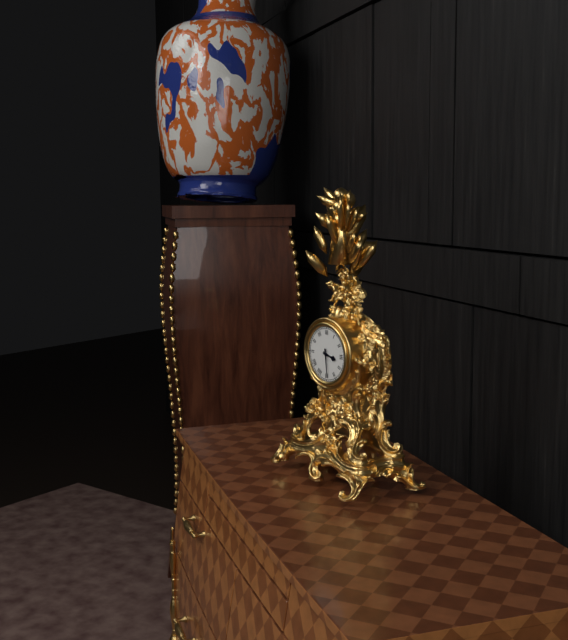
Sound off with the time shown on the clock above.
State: 3:29
